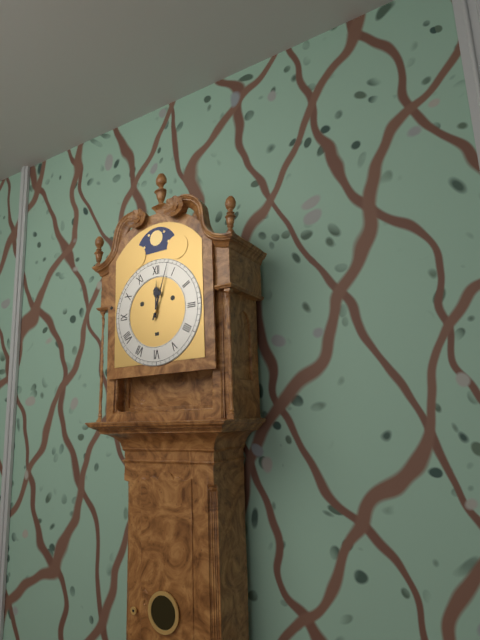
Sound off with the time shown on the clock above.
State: 12:03
